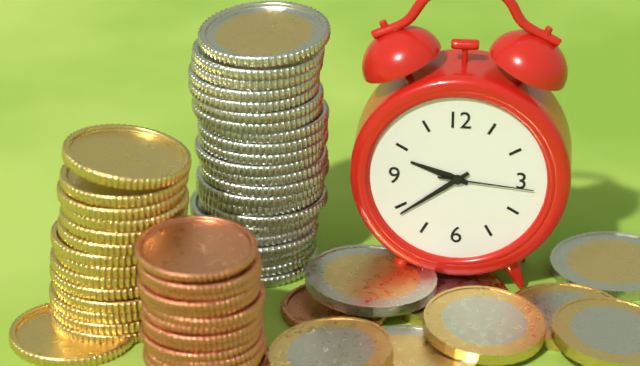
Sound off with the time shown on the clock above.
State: 9:39:16
